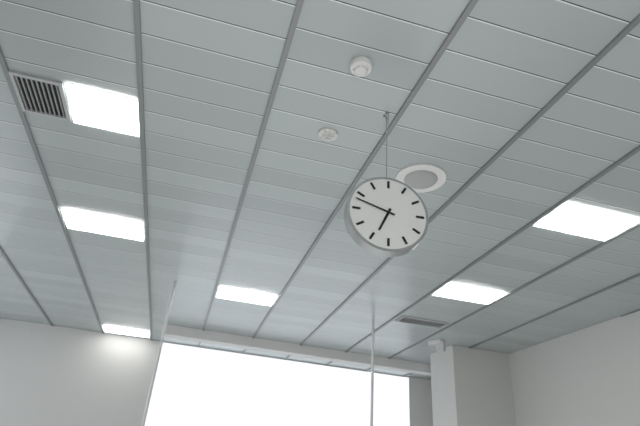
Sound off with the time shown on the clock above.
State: 6:48
